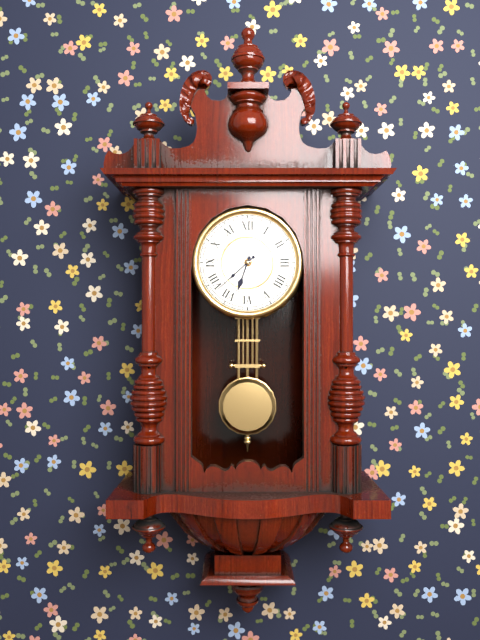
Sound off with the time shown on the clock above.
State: 6:38
